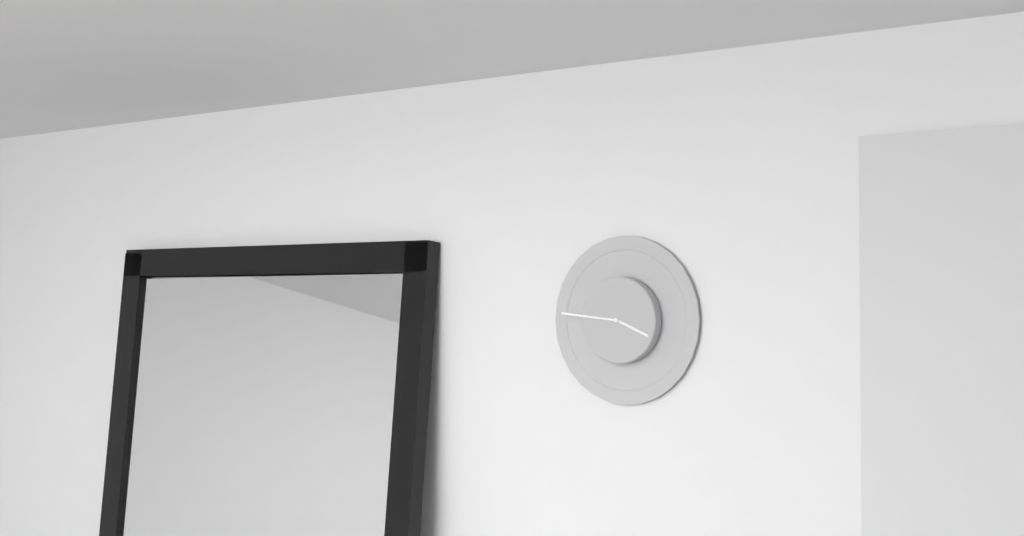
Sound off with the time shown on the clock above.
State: 3:46
